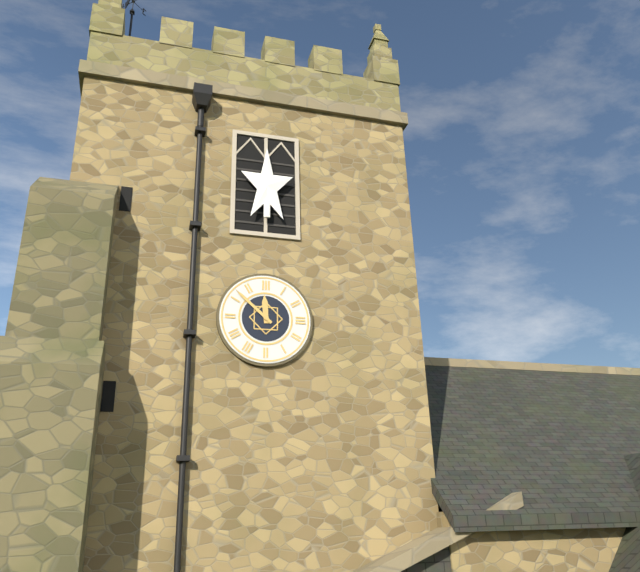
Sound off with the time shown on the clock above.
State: 11:52
